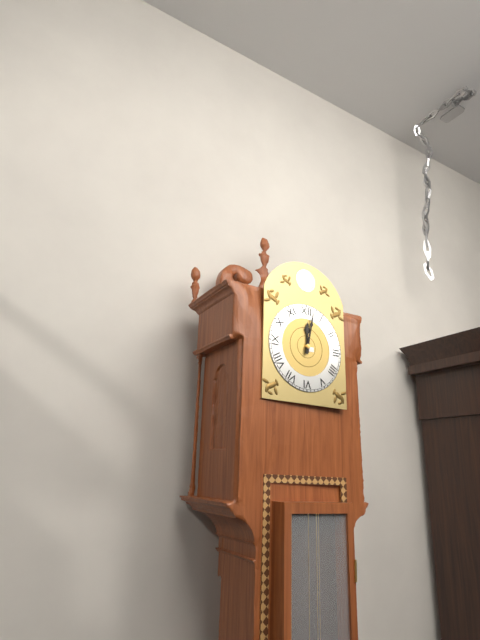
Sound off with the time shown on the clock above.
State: 12:02
